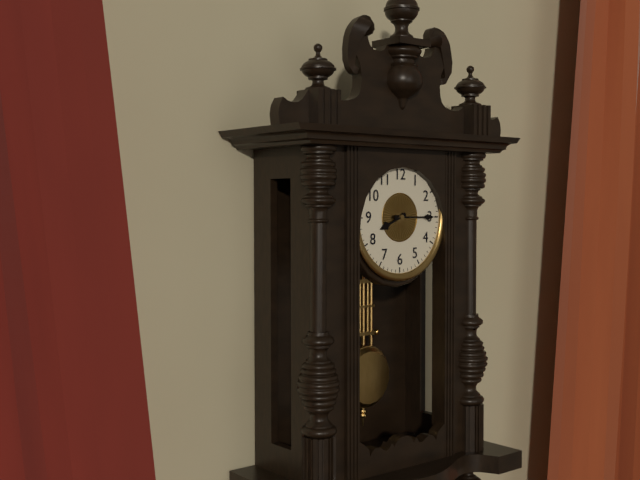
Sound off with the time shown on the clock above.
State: 8:15
